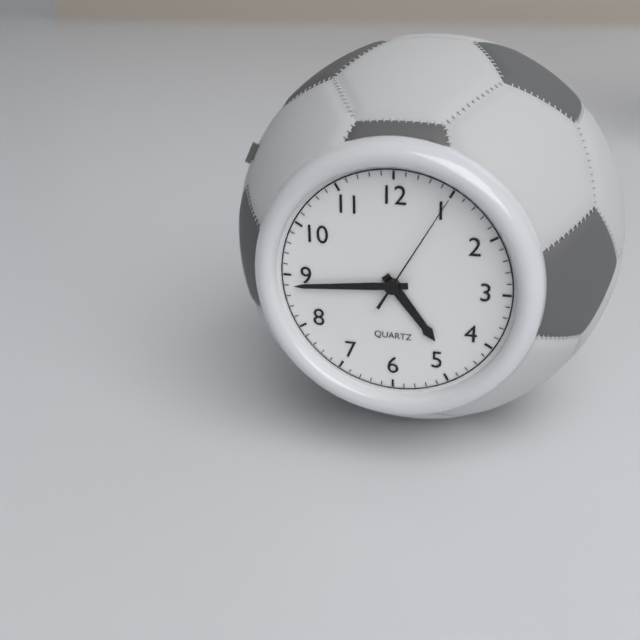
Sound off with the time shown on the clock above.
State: 4:44:05
